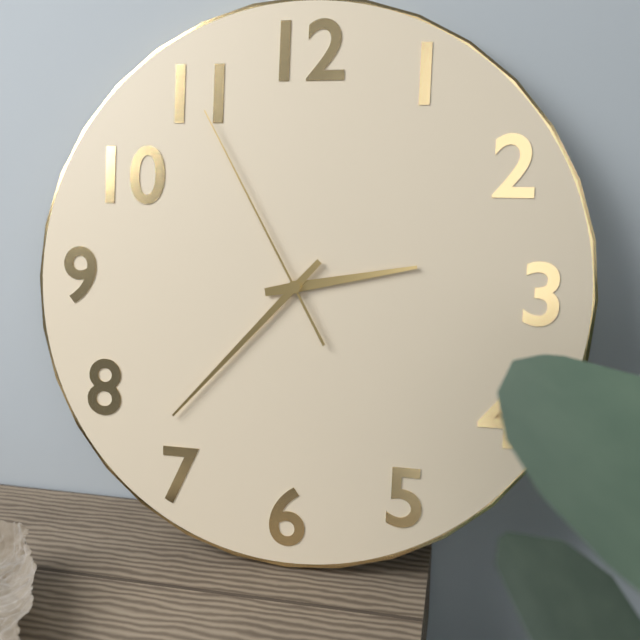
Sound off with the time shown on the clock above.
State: 2:37:55
